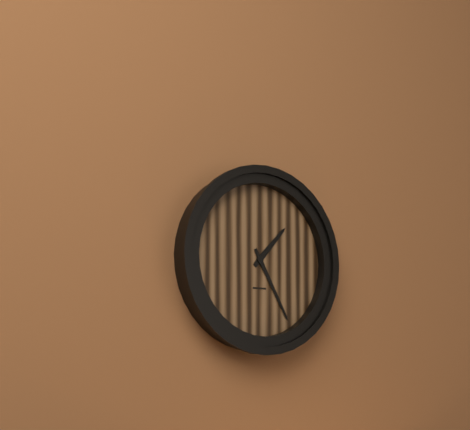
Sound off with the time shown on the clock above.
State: 1:25
